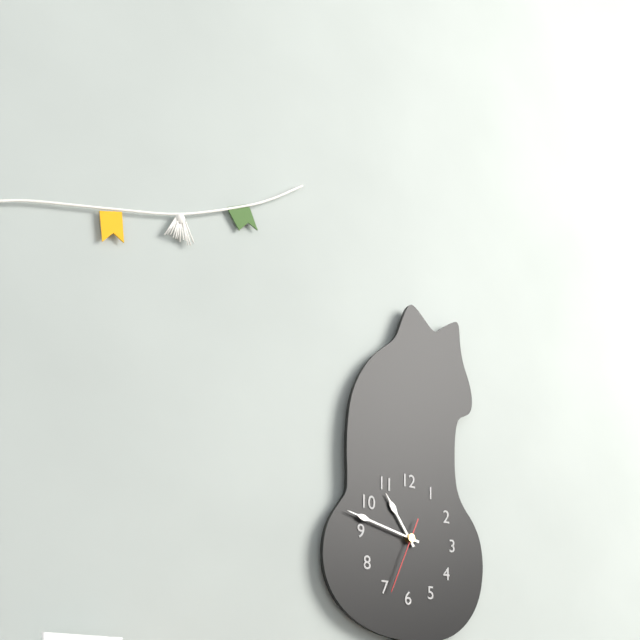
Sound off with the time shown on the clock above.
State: 10:47:34
